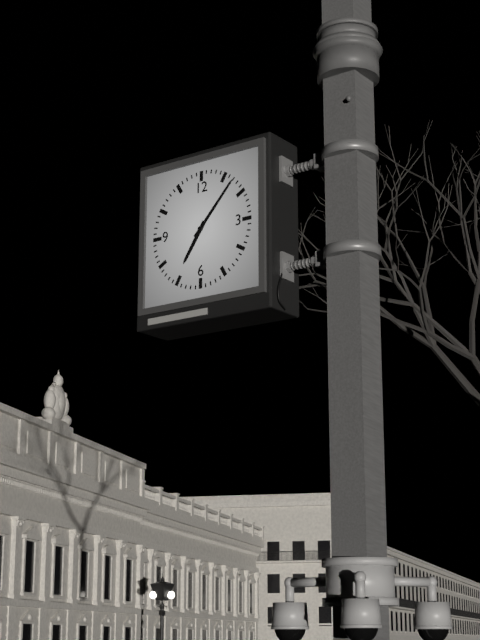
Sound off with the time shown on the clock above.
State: 7:07
